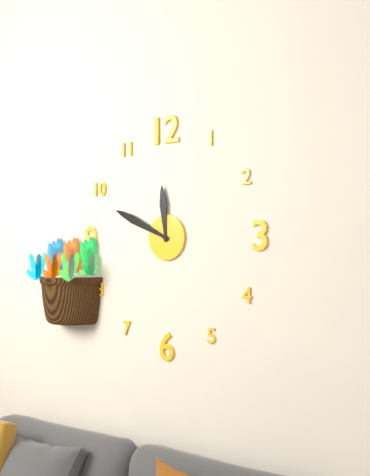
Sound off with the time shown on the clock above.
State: 11:49
